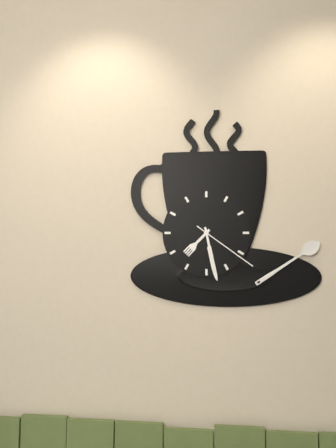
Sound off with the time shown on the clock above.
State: 7:28:21
